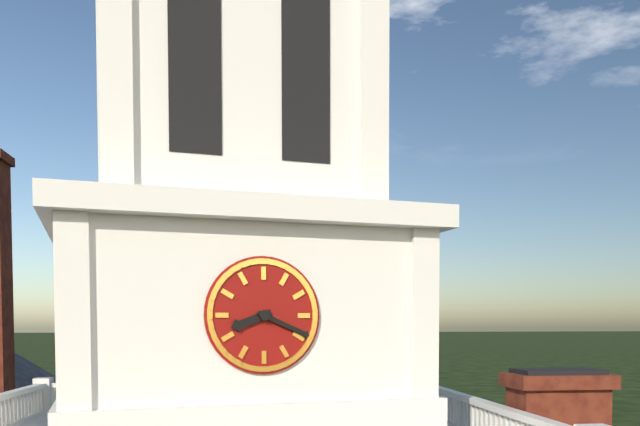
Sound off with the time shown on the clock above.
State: 8:19
